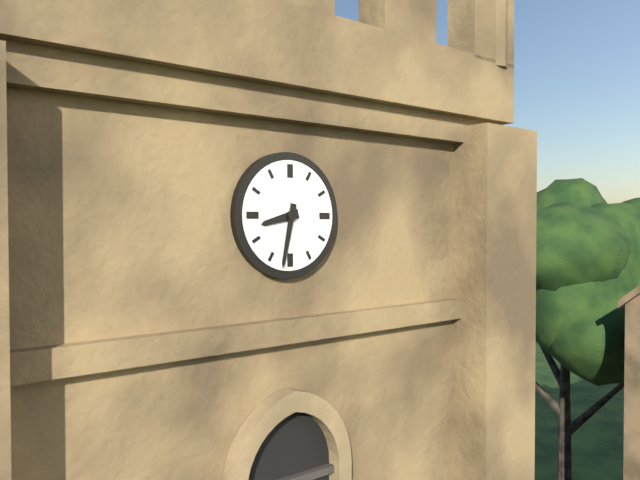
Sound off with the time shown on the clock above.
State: 8:32
